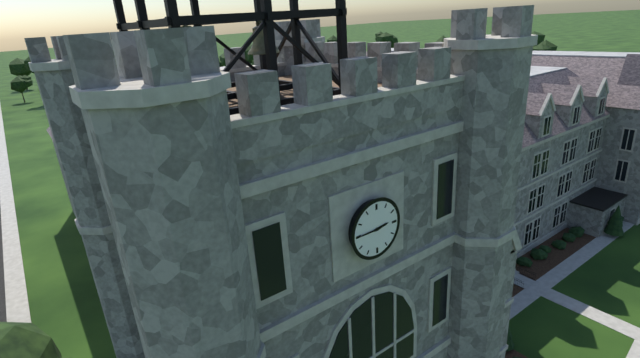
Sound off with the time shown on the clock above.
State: 2:45
